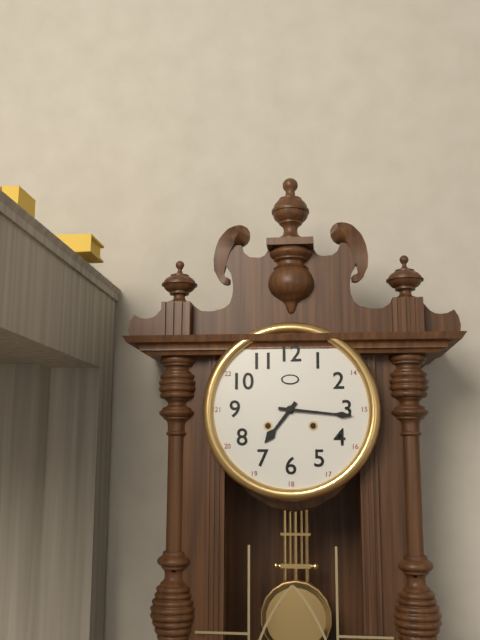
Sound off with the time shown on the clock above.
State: 7:16
